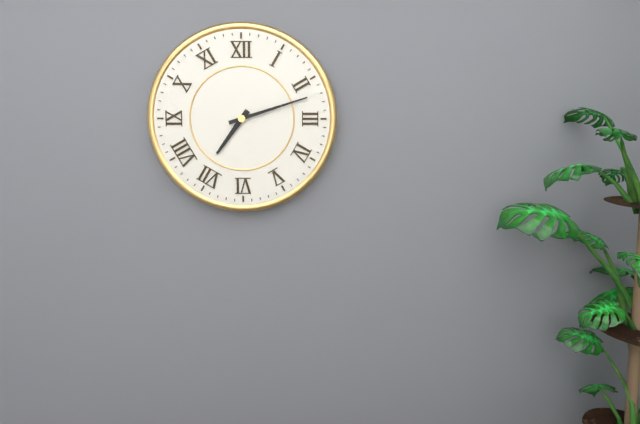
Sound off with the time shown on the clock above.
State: 7:12
